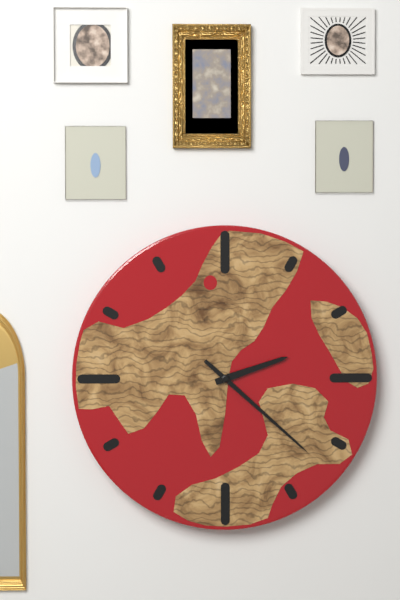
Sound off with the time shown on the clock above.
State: 2:22
